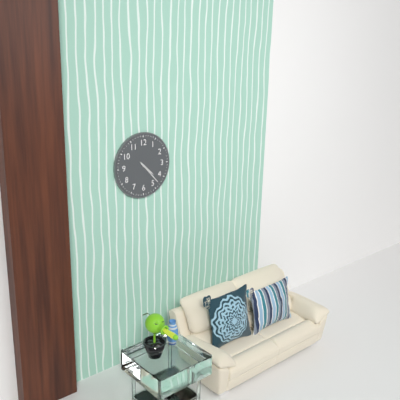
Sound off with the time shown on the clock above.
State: 4:23
